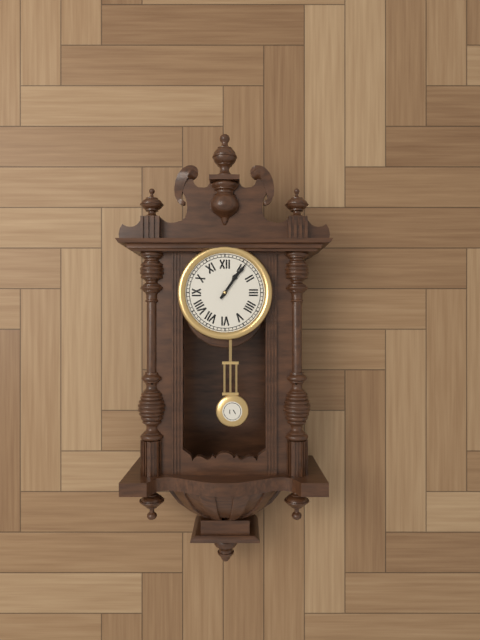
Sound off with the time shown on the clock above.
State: 1:06
